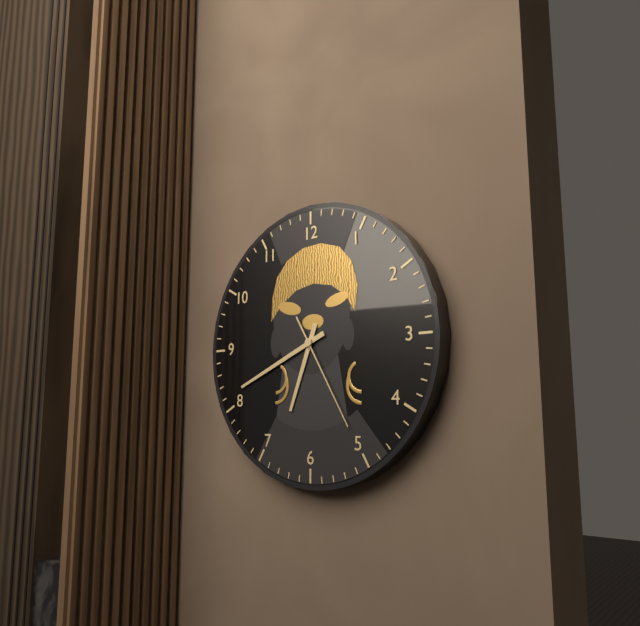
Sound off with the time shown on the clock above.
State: 6:41:25
